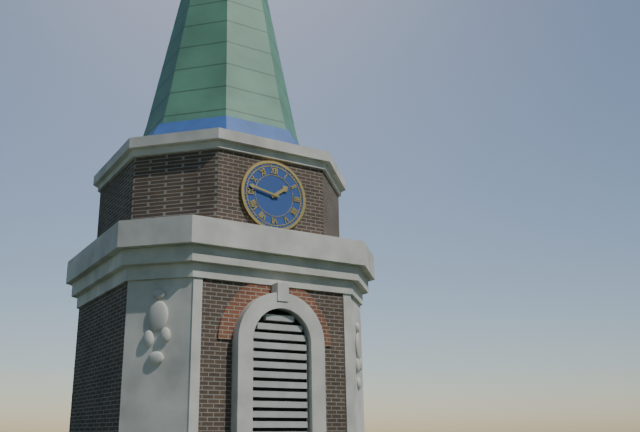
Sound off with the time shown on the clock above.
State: 1:47
